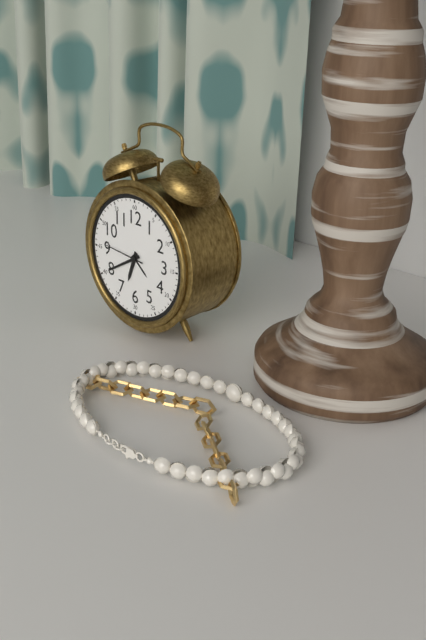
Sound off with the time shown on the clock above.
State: 6:40
